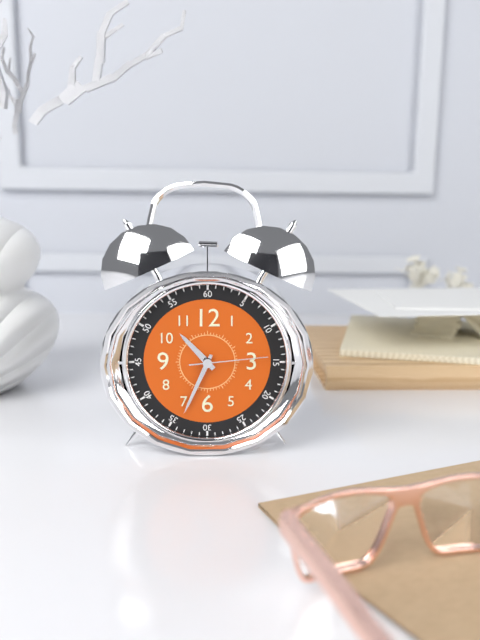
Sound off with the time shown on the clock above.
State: 10:34:14
